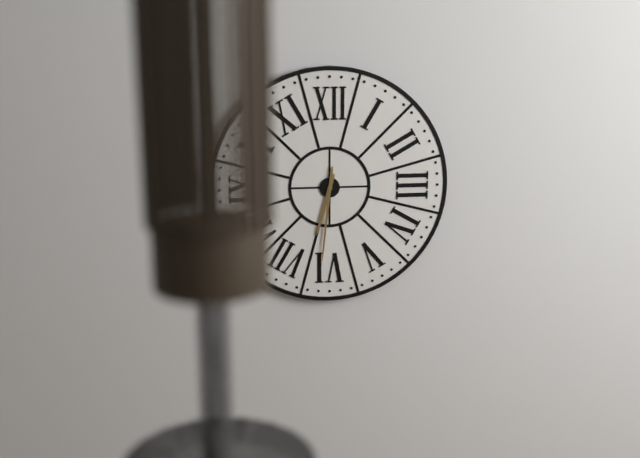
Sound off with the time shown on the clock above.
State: 6:31
